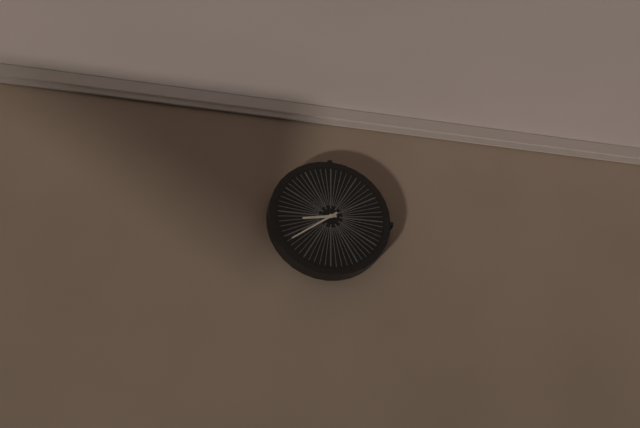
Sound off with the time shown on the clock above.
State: 8:39
